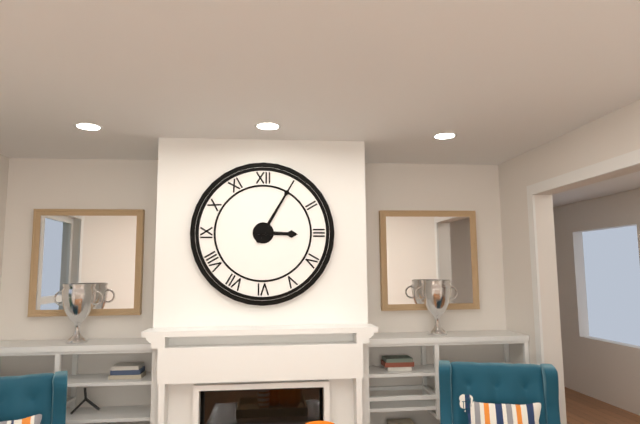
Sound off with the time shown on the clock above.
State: 3:05
